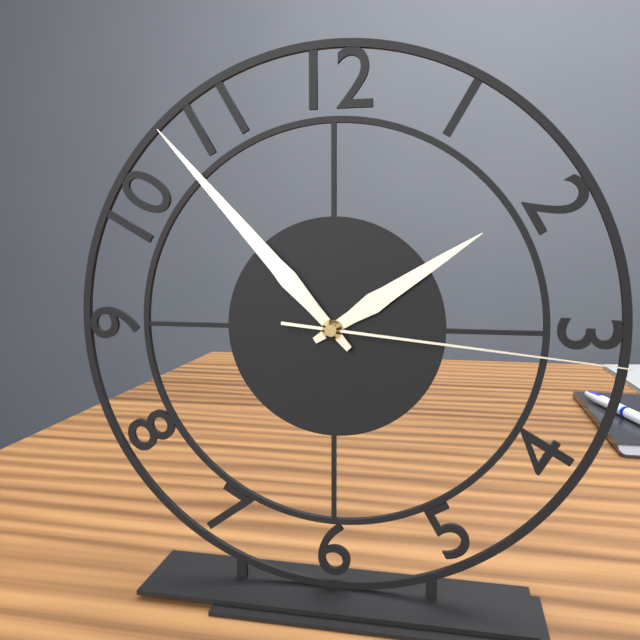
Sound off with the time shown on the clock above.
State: 1:53:16
